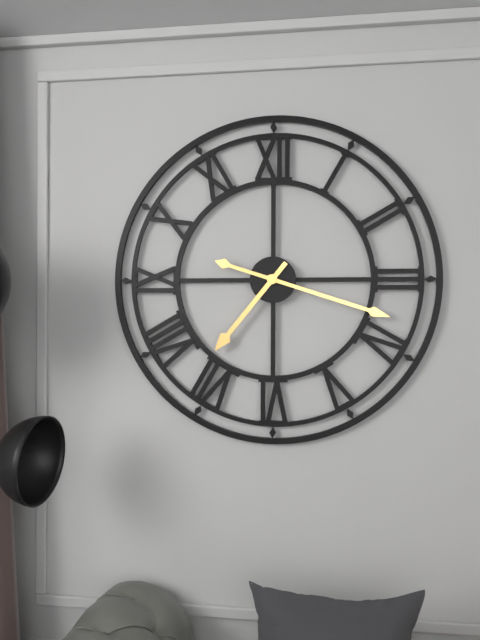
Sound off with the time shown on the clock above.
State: 7:18
